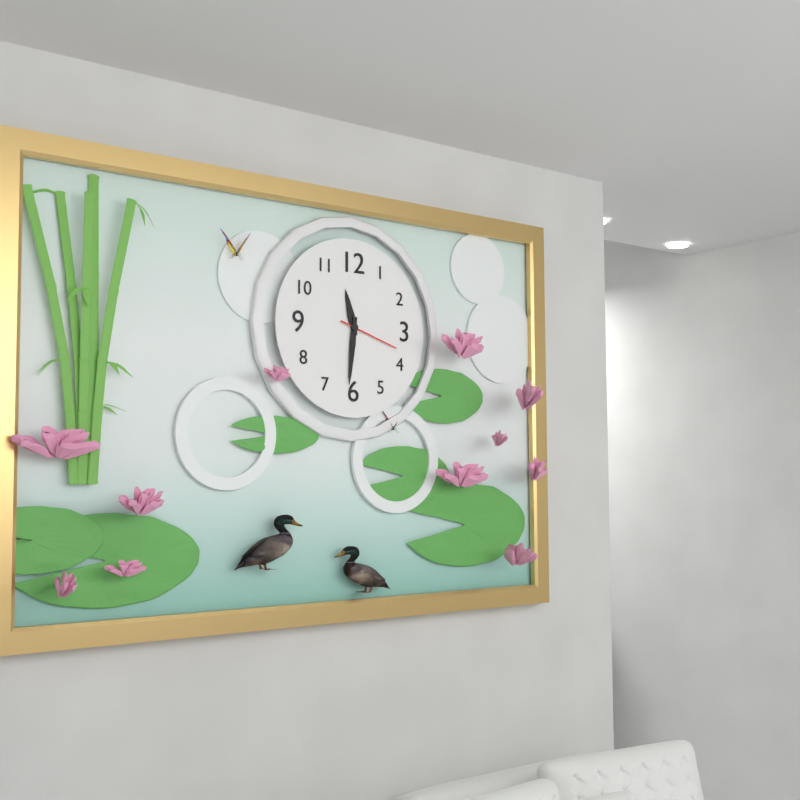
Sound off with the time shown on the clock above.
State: 11:31:18
